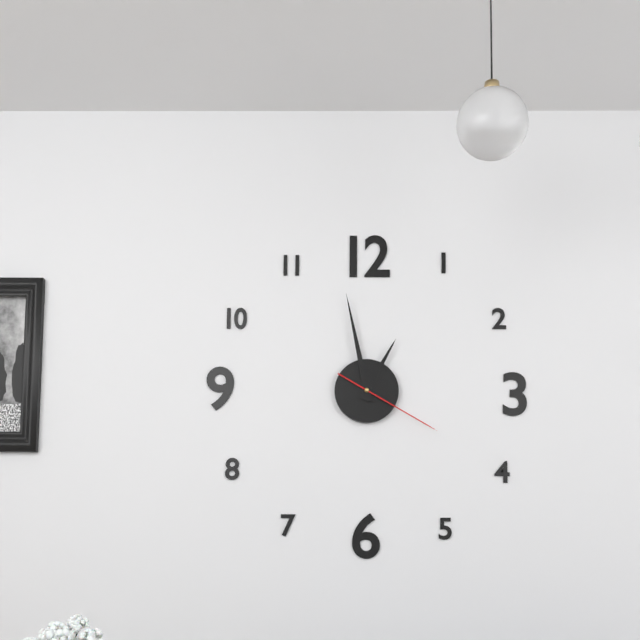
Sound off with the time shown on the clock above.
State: 12:58:20
